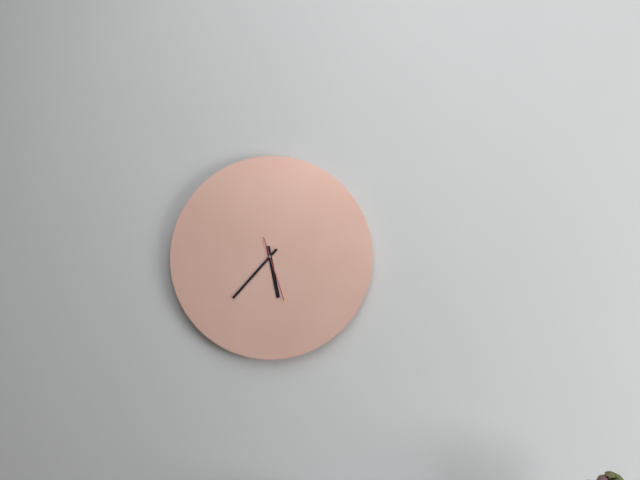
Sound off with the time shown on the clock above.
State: 5:37:27
